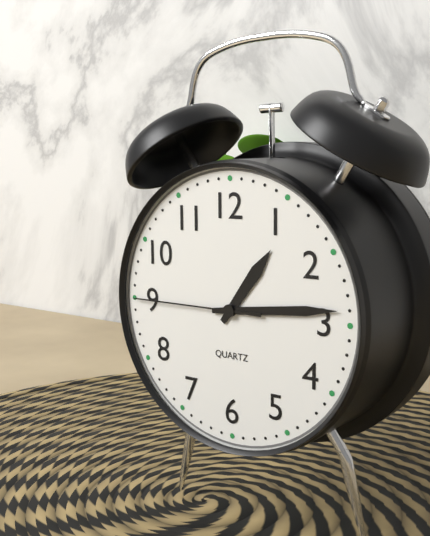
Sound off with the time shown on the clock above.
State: 1:14:45
